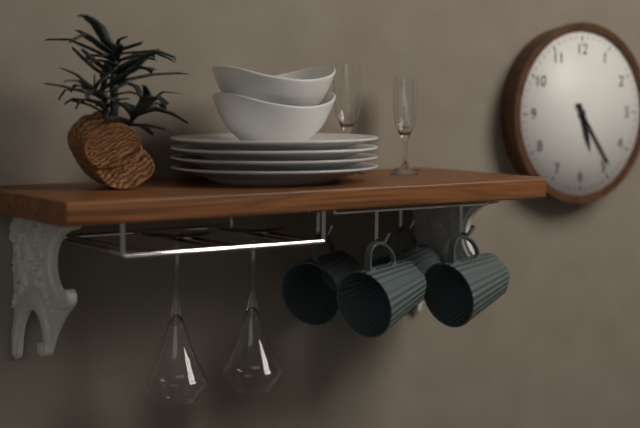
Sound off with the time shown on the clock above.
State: 5:24
